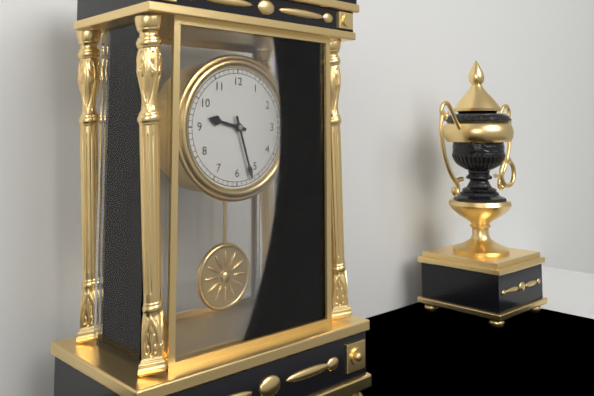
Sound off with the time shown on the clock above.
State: 9:27
